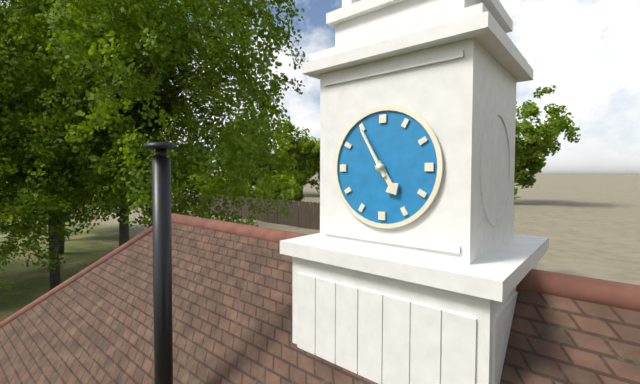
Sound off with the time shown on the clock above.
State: 4:55
